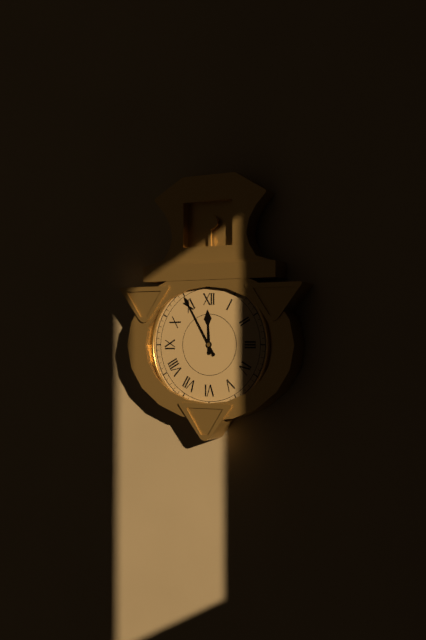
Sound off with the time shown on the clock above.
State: 11:55
